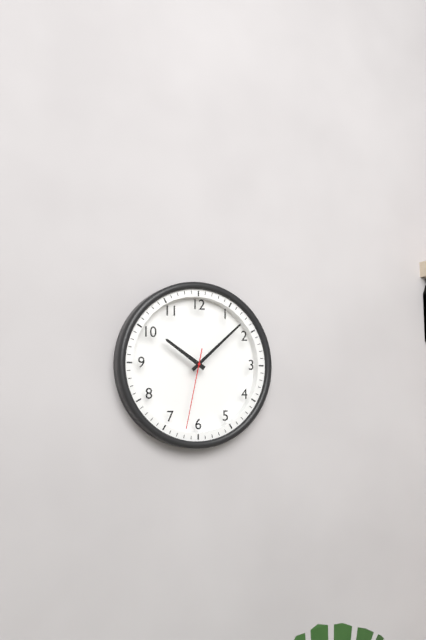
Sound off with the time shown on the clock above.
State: 10:08:32
